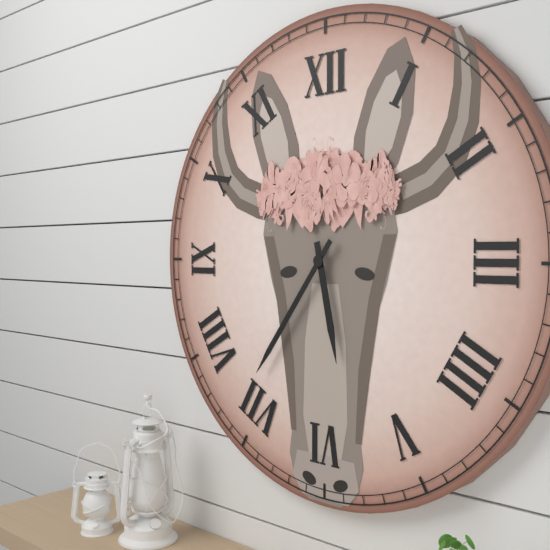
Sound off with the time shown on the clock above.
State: 5:36
